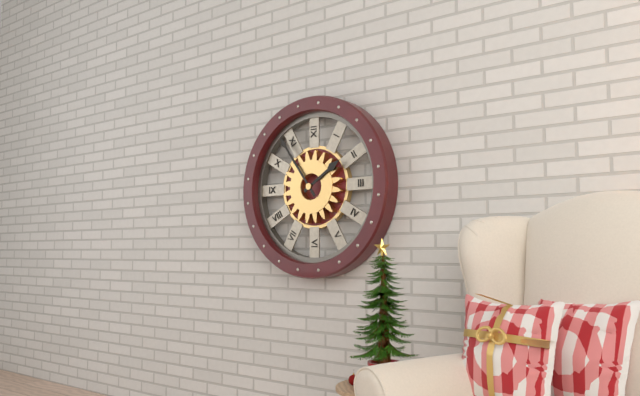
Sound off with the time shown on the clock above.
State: 1:54
